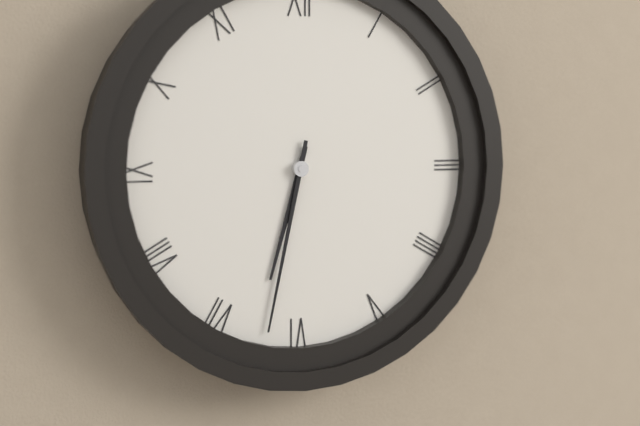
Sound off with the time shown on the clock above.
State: 6:32
